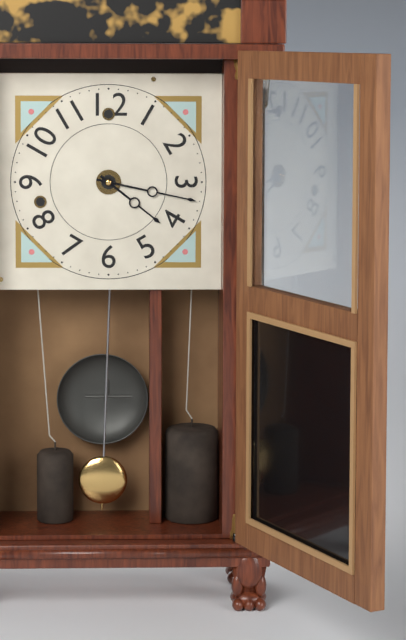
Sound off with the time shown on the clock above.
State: 4:17
